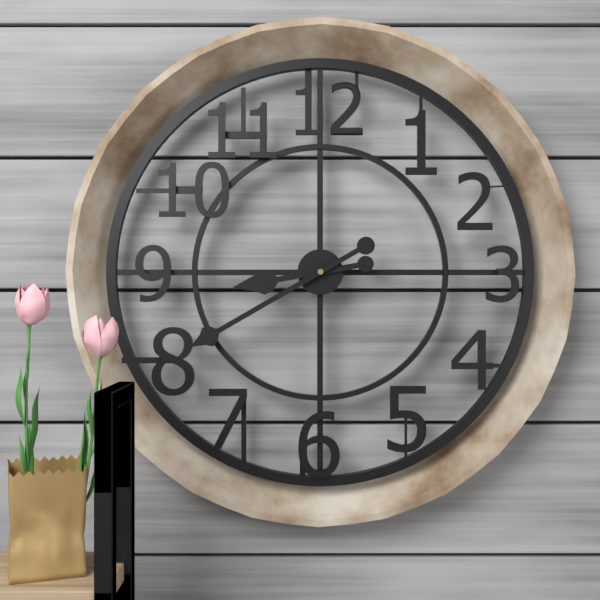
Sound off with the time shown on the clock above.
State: 8:40
